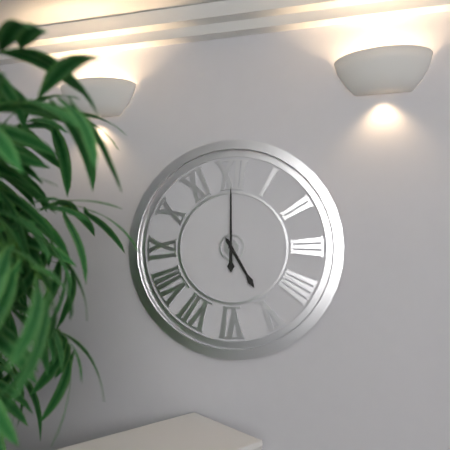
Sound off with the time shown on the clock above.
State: 5:00
